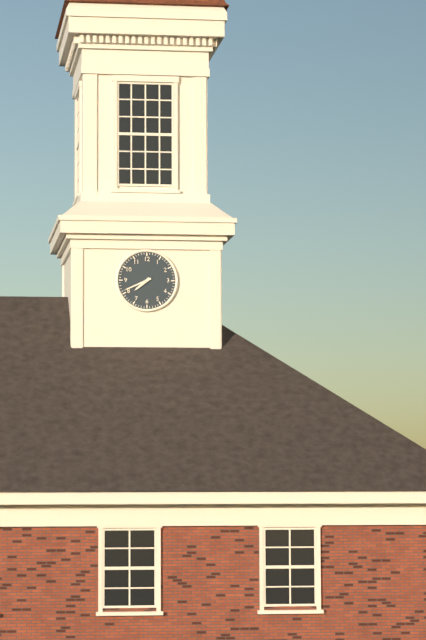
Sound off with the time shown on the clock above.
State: 7:41
